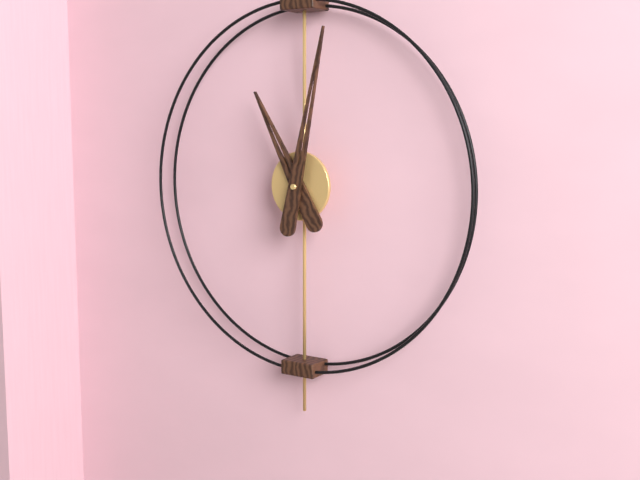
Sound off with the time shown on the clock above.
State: 11:02
